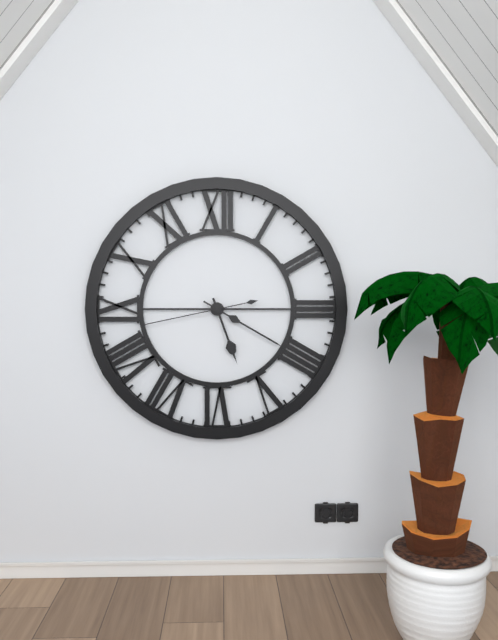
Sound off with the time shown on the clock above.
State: 5:20:43
